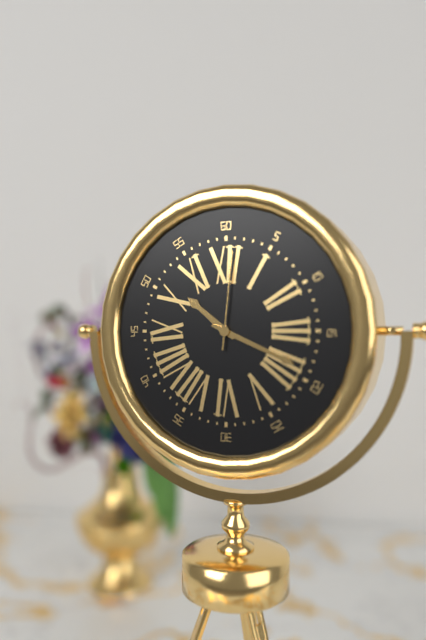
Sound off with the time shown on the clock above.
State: 10:19:01
